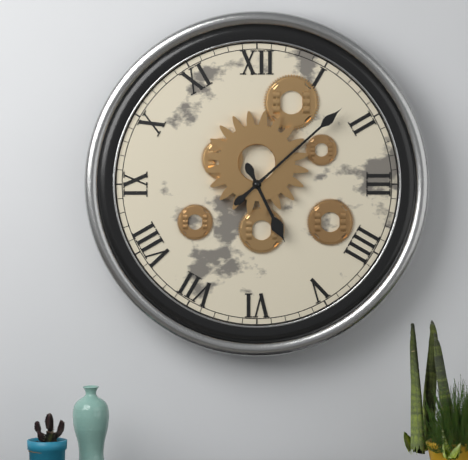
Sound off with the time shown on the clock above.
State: 5:08
